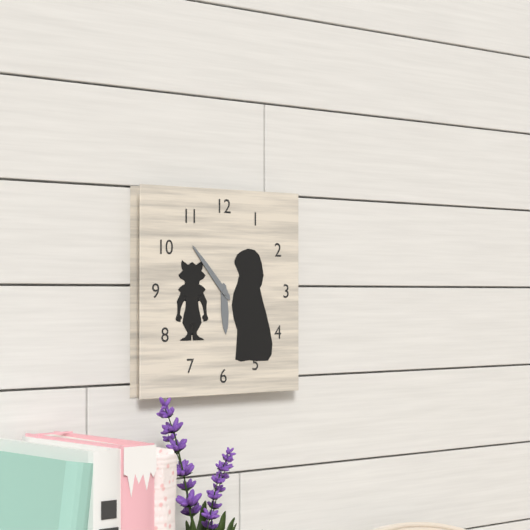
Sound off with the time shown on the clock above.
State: 5:53
